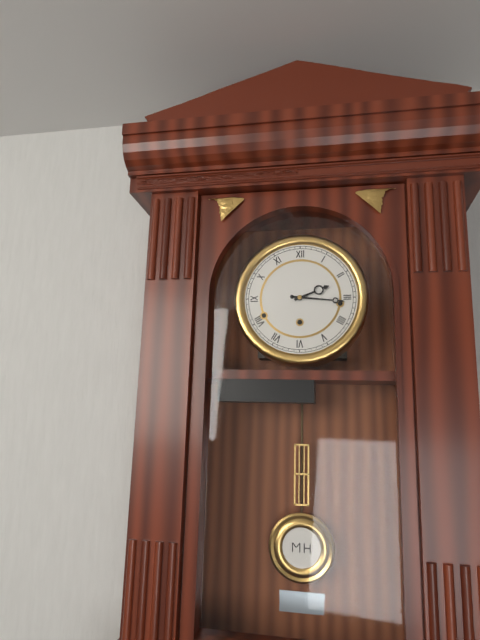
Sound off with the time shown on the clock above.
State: 2:16
